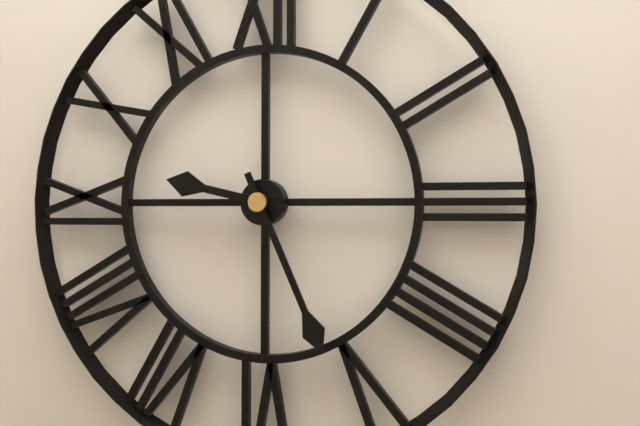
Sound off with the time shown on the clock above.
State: 9:26
